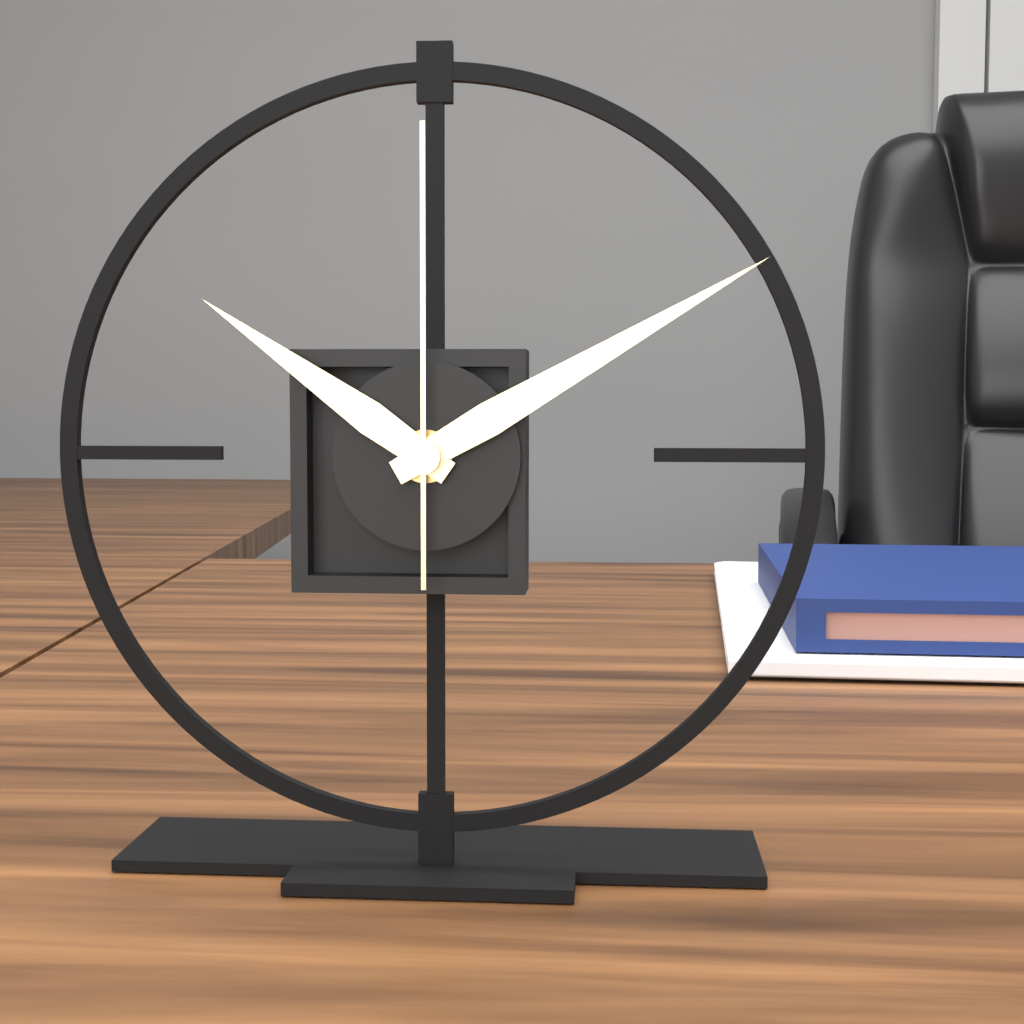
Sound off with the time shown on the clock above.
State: 10:10:00
